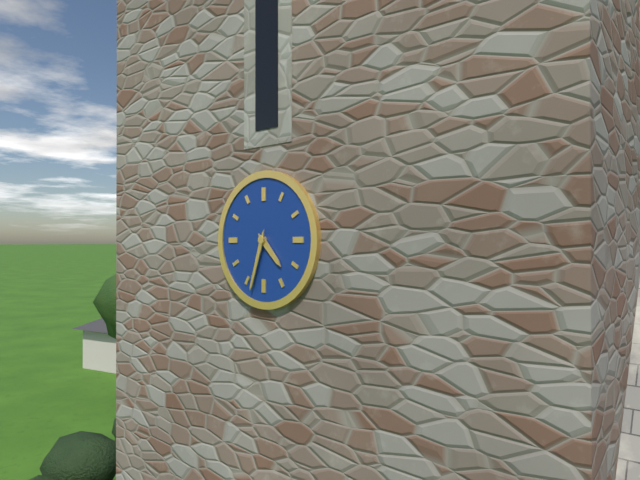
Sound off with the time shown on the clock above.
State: 4:33
